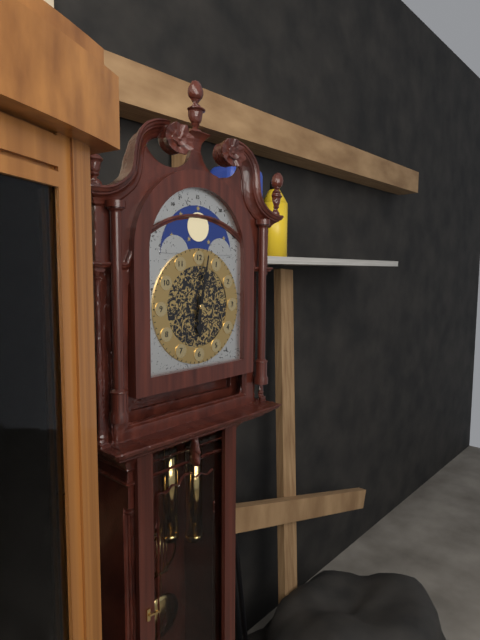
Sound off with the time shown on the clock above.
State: 6:02
